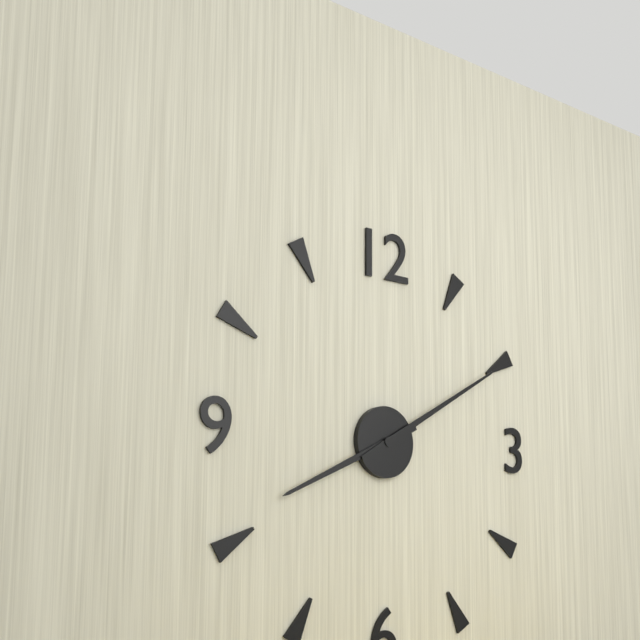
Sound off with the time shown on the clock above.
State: 8:10
